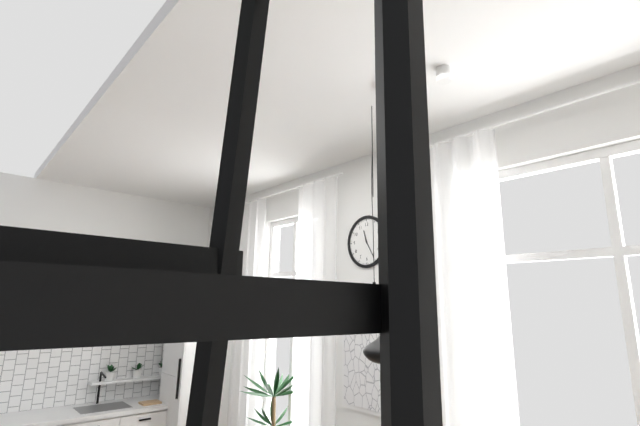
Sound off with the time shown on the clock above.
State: 11:25
